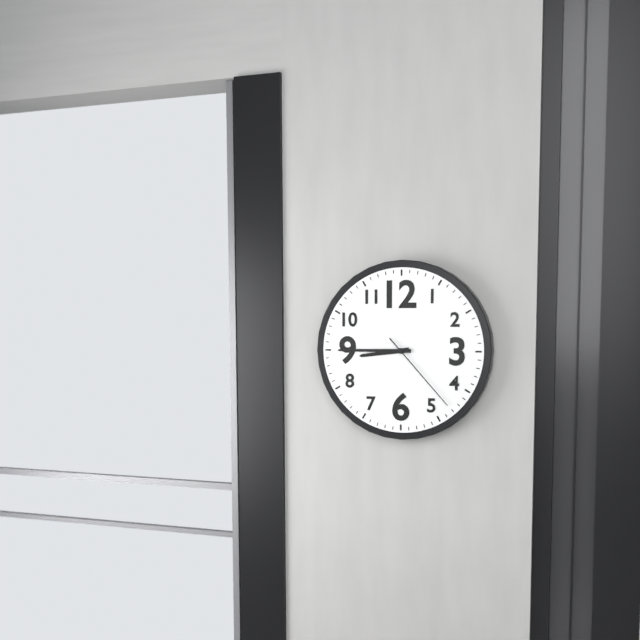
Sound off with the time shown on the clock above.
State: 8:45:23
